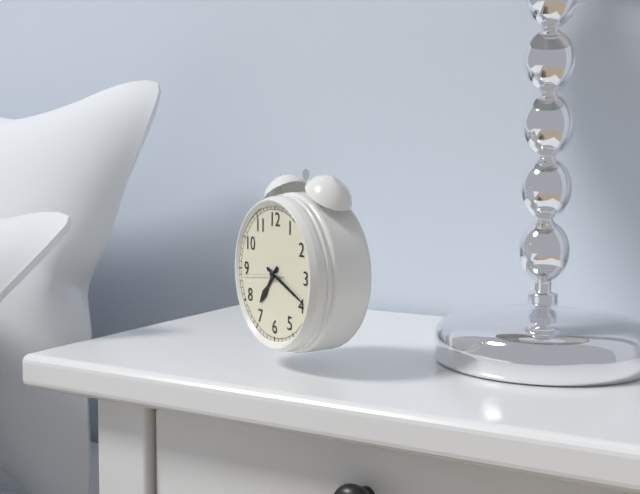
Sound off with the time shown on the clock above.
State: 7:19
